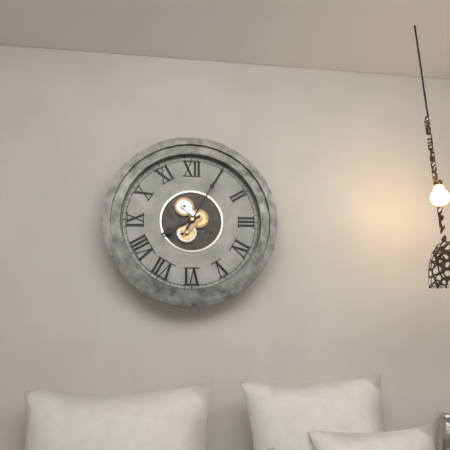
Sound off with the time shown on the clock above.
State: 8:05
